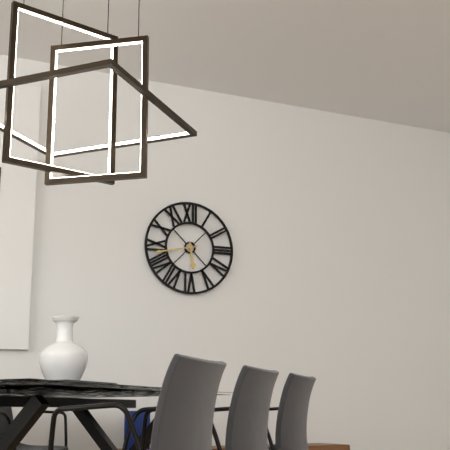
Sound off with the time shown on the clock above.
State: 5:43
